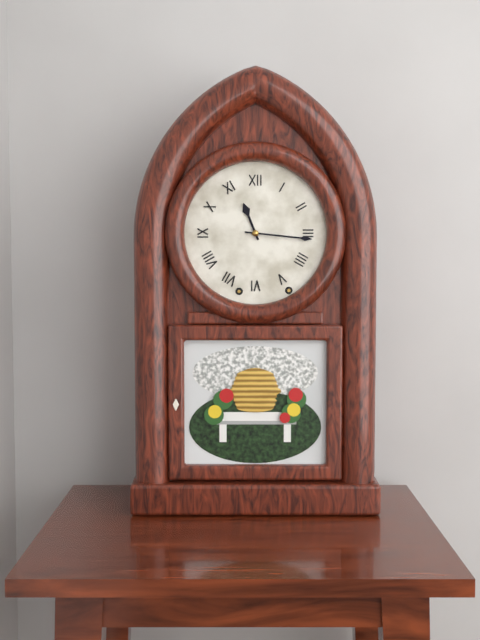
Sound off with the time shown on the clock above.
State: 11:16
